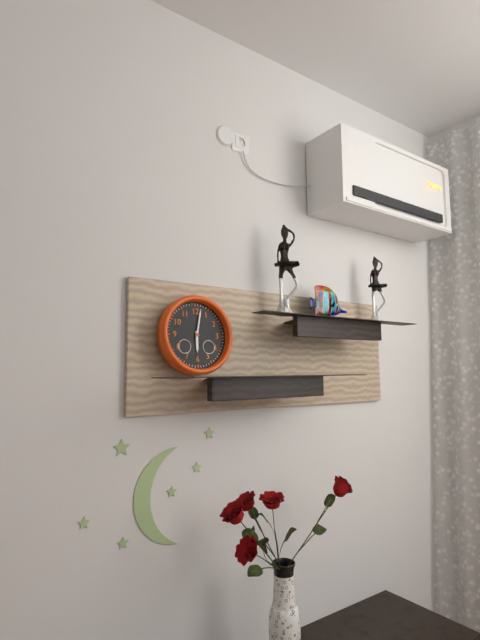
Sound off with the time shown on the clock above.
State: 6:02
